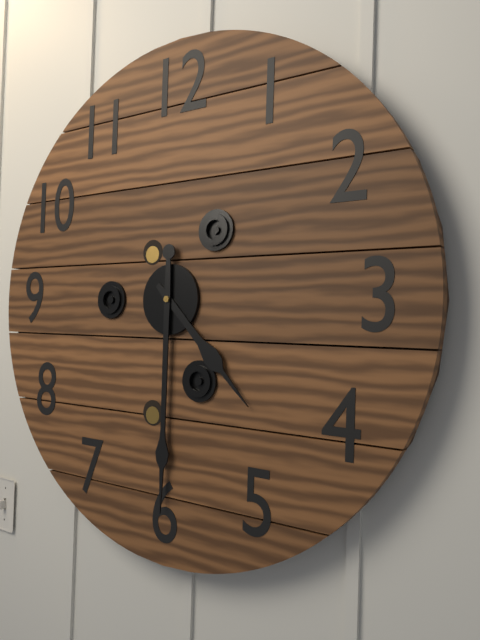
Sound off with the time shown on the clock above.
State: 4:30
